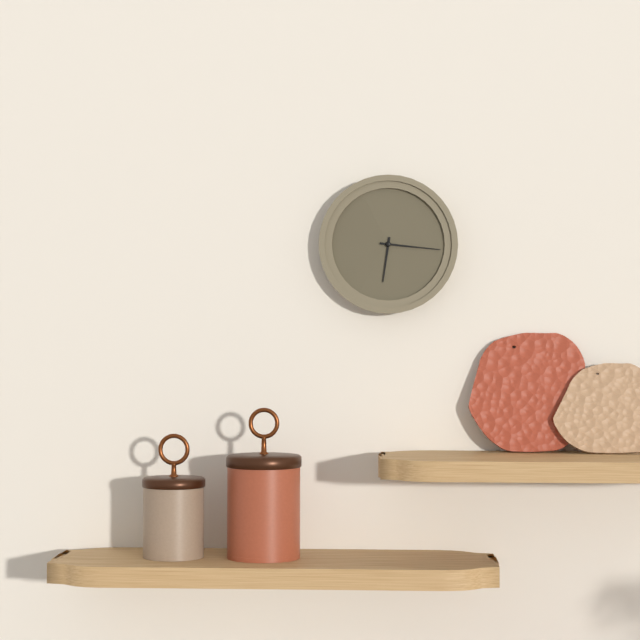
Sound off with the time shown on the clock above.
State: 6:16
